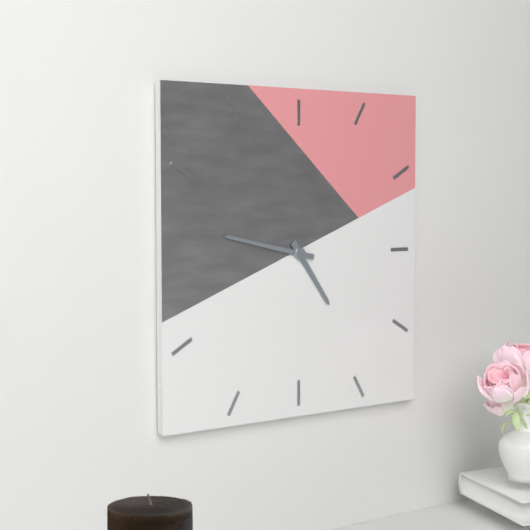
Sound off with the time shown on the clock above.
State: 4:47
